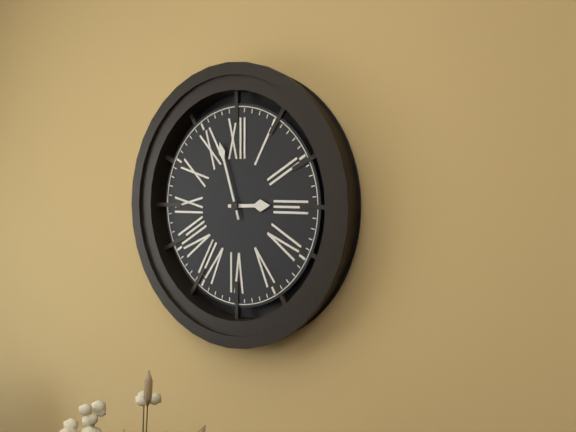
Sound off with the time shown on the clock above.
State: 2:57
